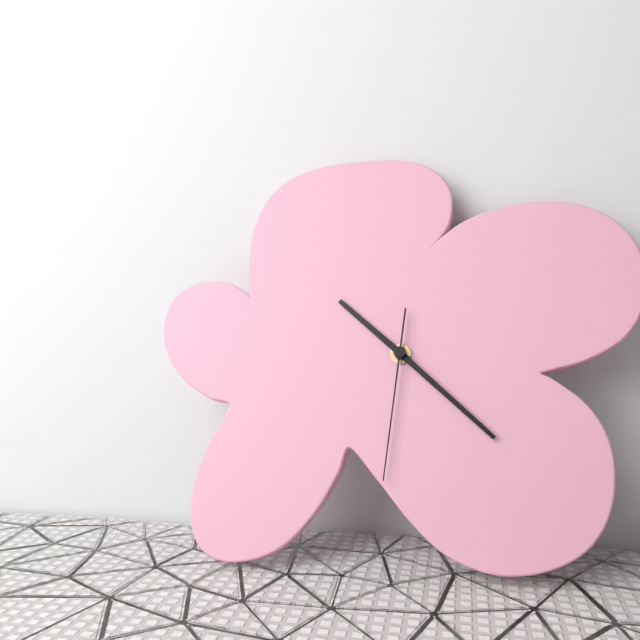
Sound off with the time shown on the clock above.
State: 10:22:31
